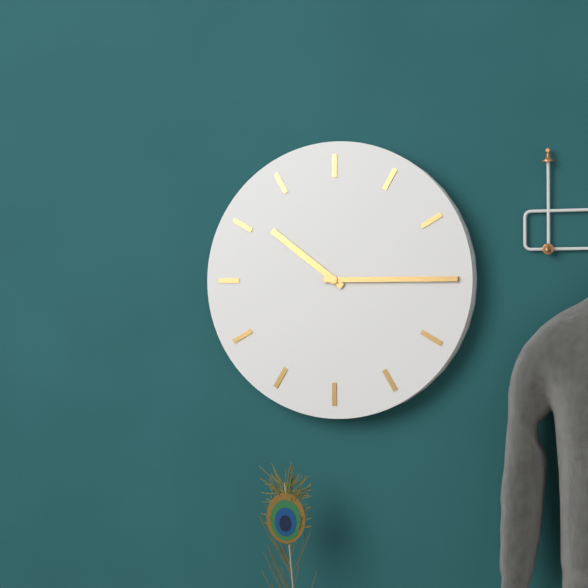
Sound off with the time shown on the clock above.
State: 10:15
